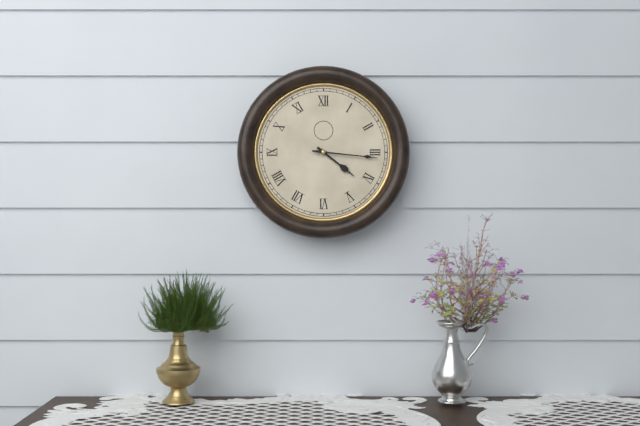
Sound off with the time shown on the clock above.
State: 4:16
